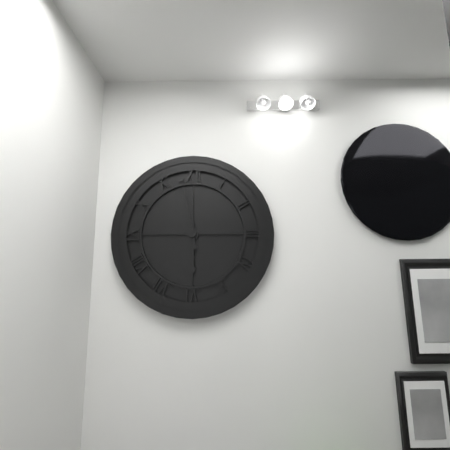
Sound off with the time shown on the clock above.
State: 5:58
